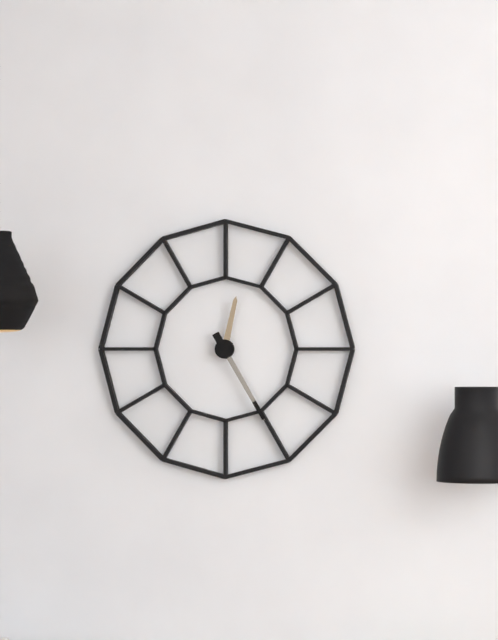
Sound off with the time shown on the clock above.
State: 12:25
